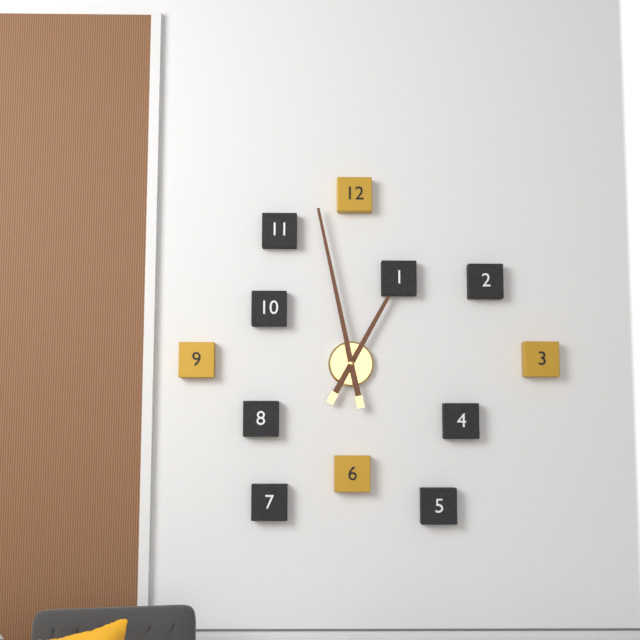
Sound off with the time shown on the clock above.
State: 12:58
